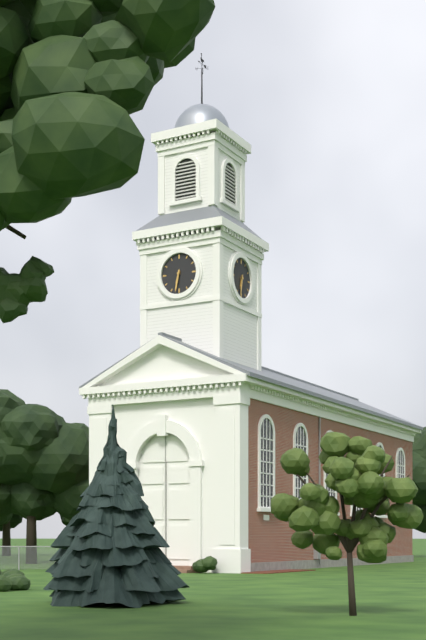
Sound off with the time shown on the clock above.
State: 6:32
